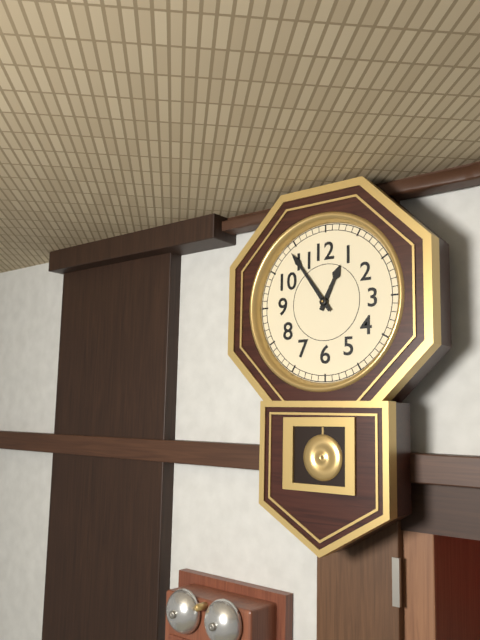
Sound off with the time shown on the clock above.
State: 12:54
